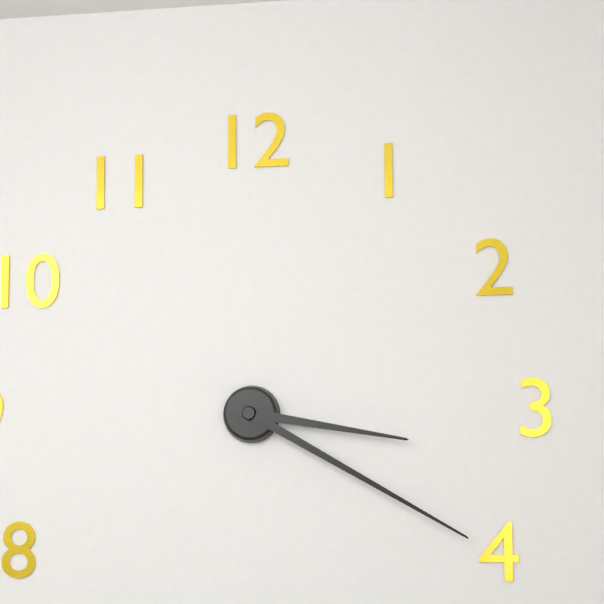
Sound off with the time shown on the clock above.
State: 3:20
